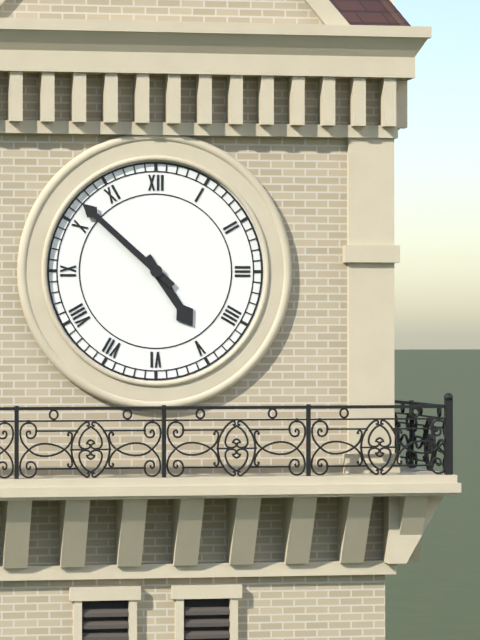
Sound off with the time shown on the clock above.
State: 4:52
